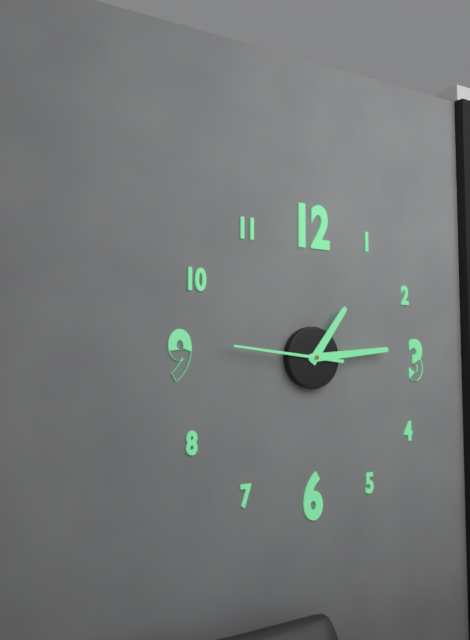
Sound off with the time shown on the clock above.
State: 1:14:46
